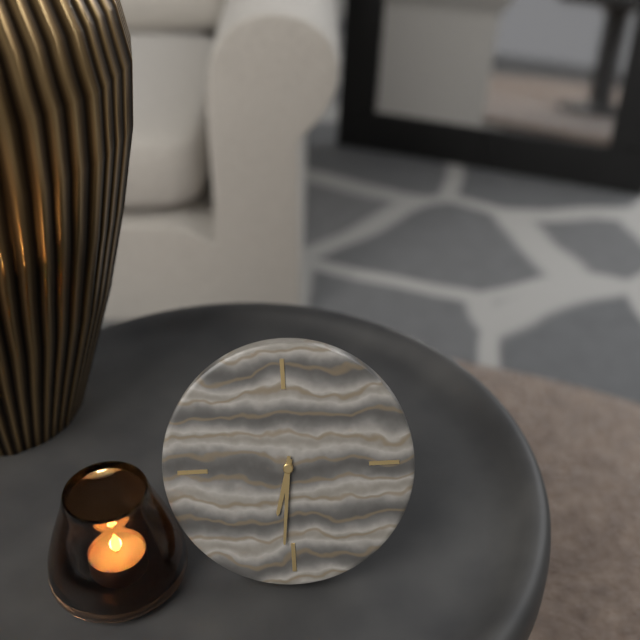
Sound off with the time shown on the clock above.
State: 6:31
